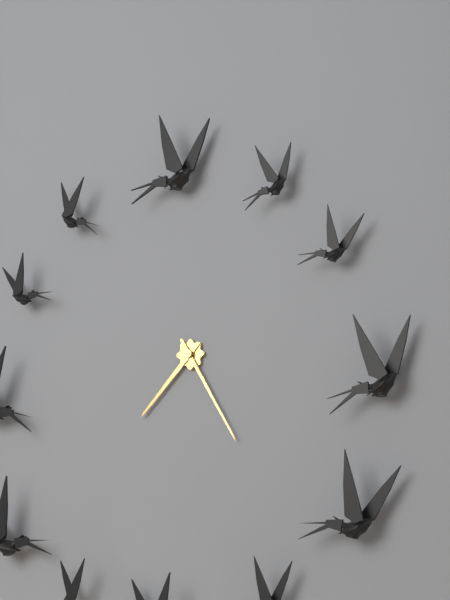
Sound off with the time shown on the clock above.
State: 7:25
